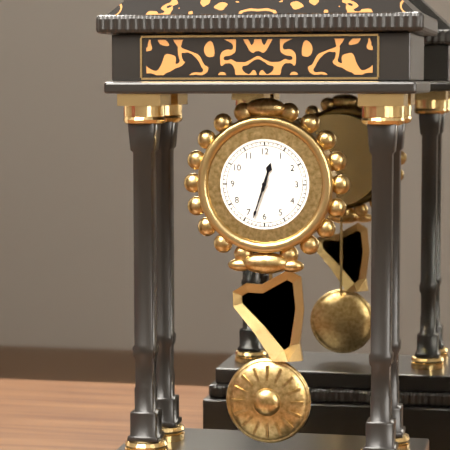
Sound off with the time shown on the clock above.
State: 12:33
